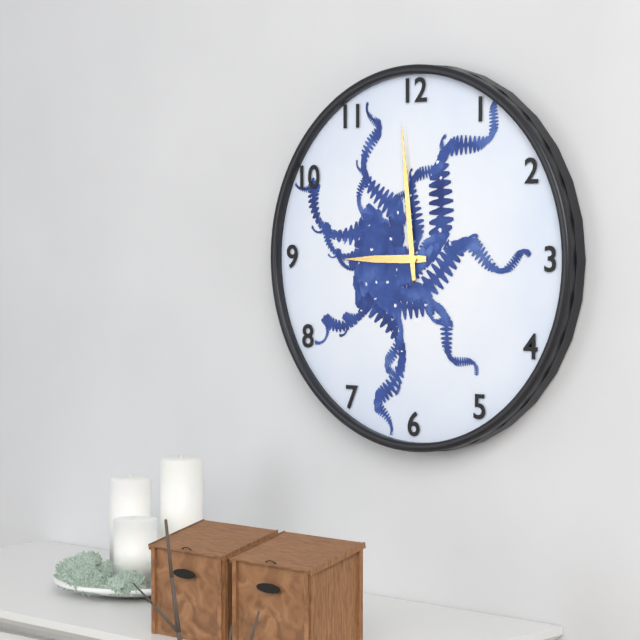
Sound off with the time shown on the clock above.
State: 8:59
